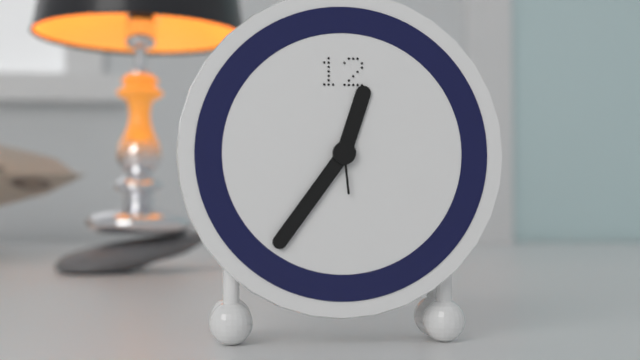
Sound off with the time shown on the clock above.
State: 12:36:29
